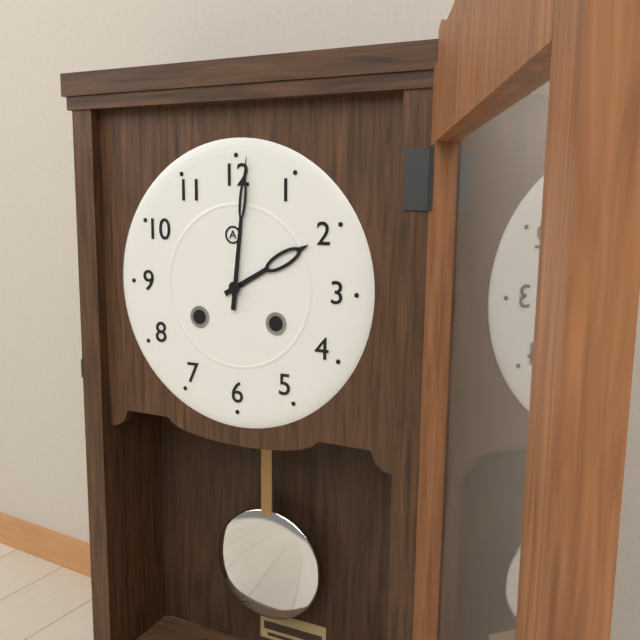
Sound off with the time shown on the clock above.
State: 2:01
